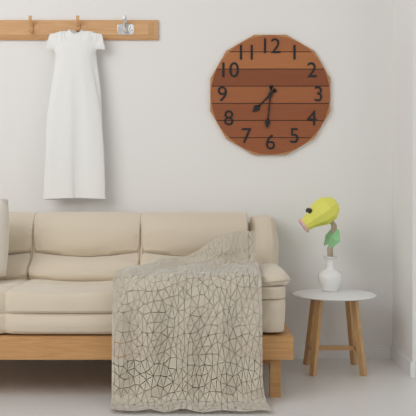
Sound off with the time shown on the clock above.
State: 7:31
